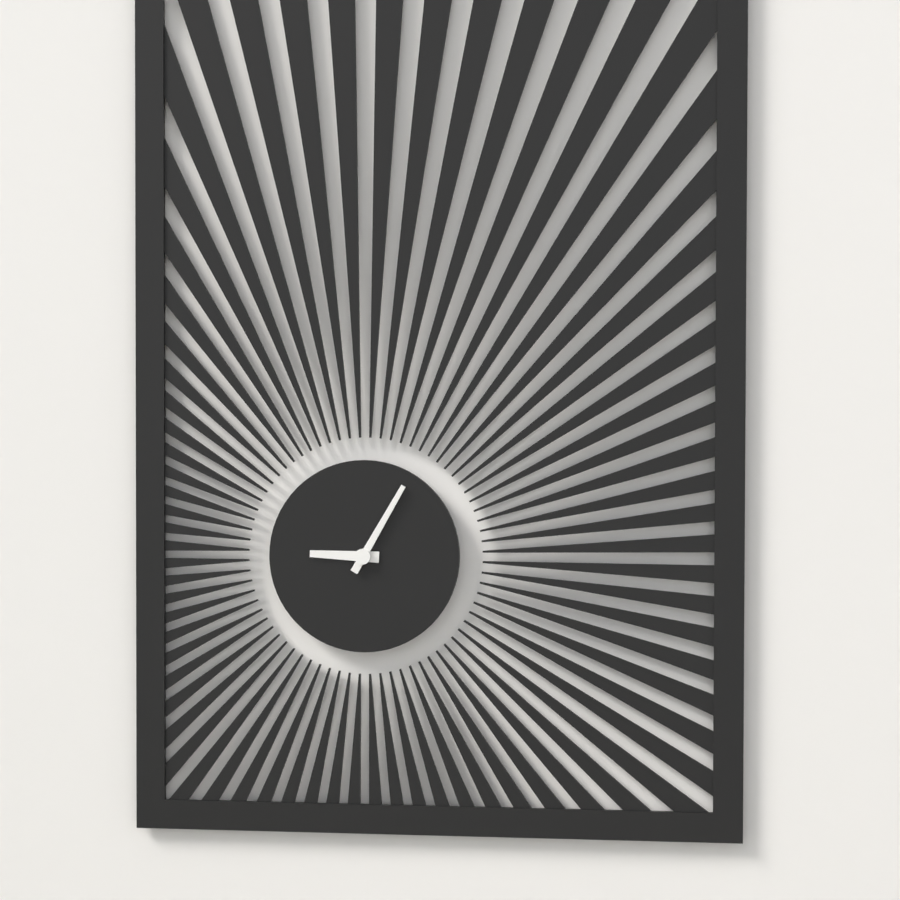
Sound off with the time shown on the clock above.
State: 9:05
